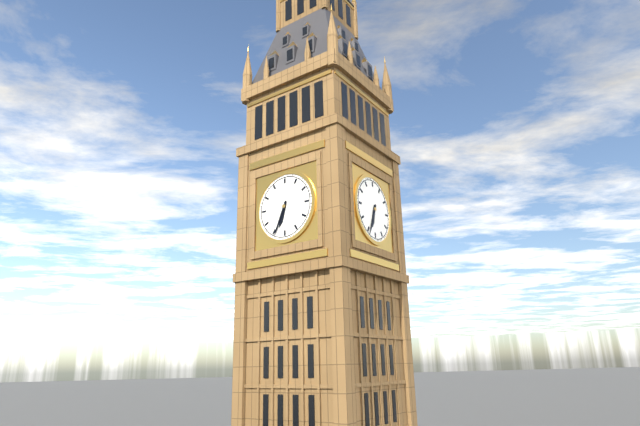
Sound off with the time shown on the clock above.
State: 6:34
